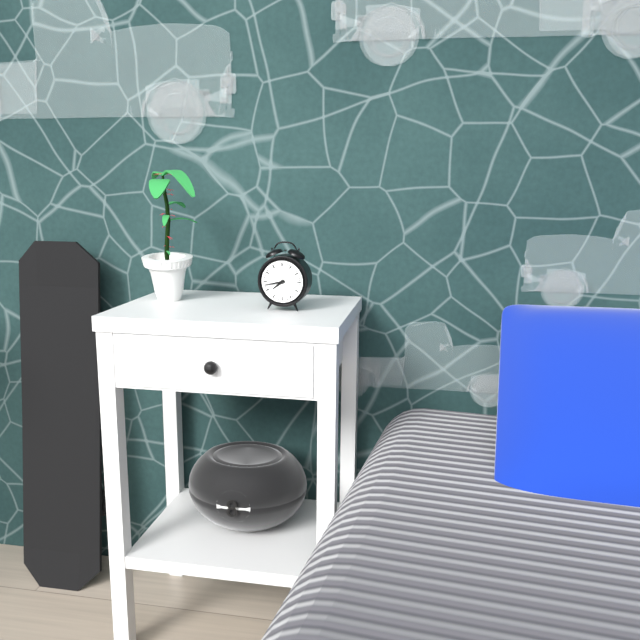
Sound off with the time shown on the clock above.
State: 7:43
